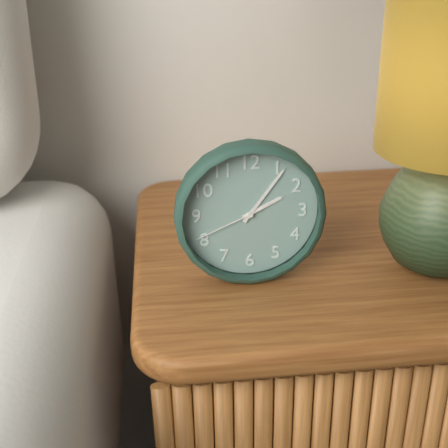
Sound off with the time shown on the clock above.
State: 2:06:41
